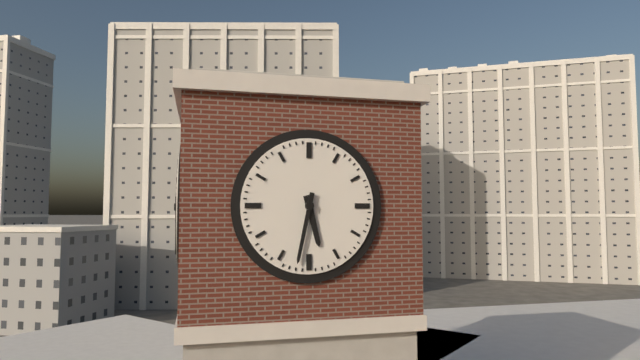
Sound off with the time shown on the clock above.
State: 5:32
